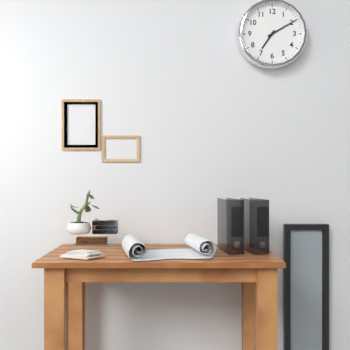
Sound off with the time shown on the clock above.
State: 7:10
